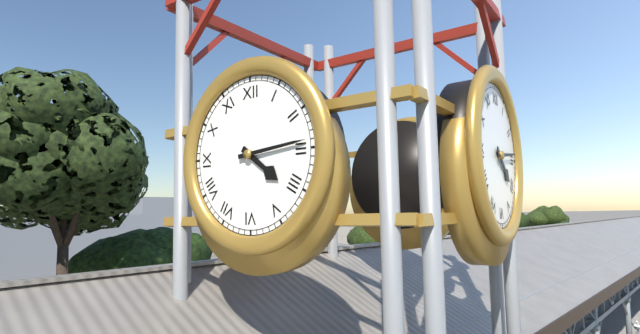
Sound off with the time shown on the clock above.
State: 4:14
